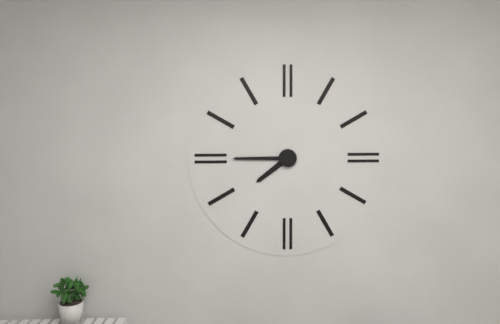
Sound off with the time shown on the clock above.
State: 7:45
